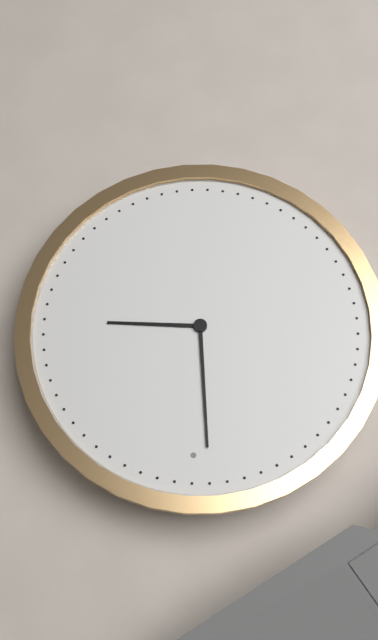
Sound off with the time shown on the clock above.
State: 2:59
